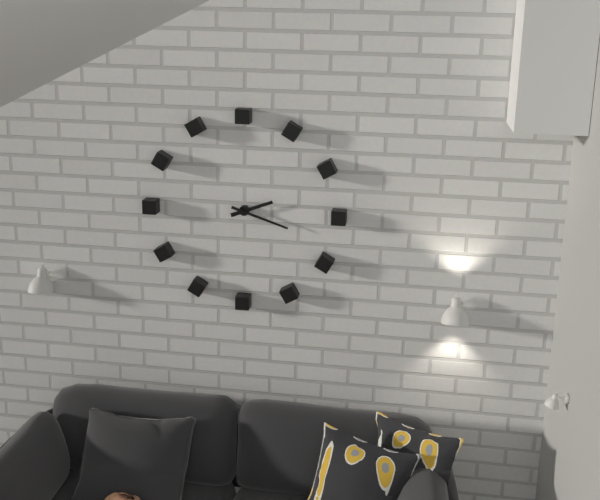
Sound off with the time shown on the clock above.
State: 2:18
